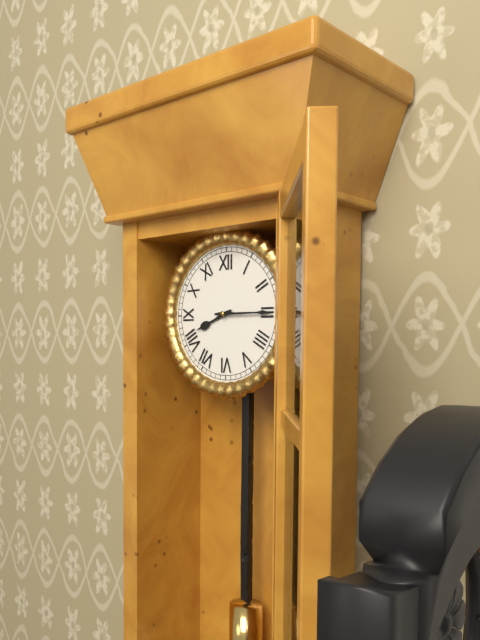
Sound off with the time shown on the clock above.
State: 8:15
